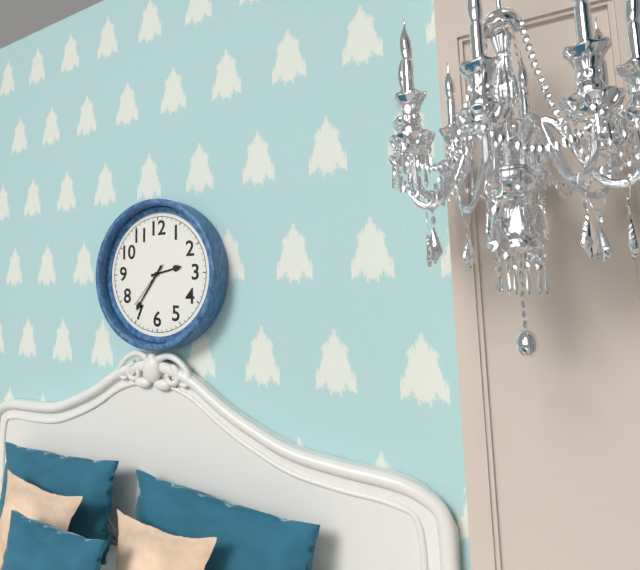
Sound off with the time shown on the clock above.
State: 2:36
